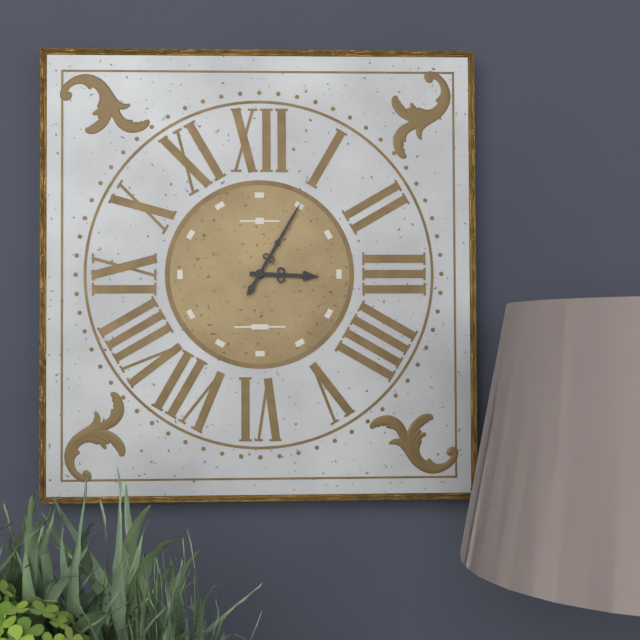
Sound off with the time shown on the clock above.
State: 3:05
